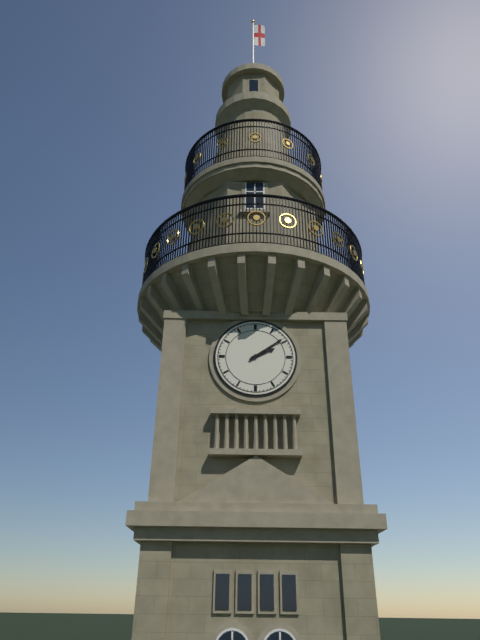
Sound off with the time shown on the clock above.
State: 2:09
